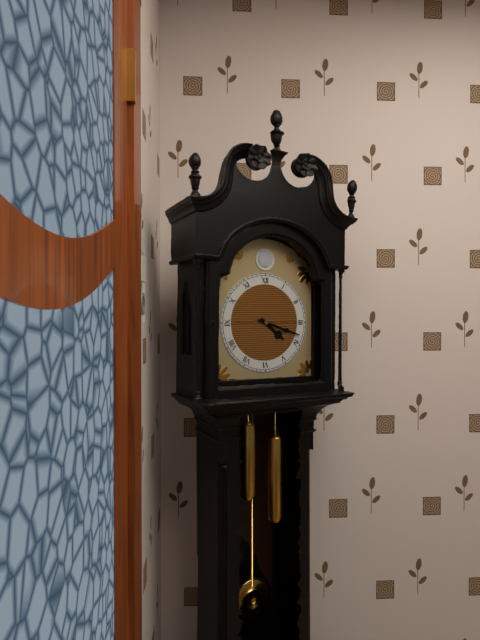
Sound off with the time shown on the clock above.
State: 4:18
